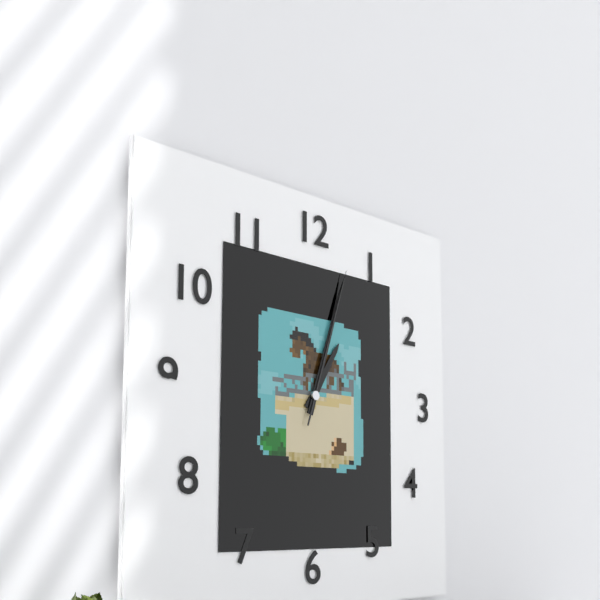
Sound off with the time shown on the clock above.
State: 1:03:03
